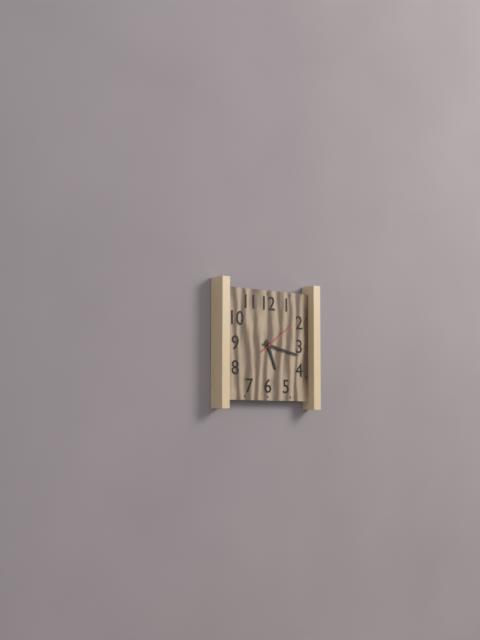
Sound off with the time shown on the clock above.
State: 5:17
